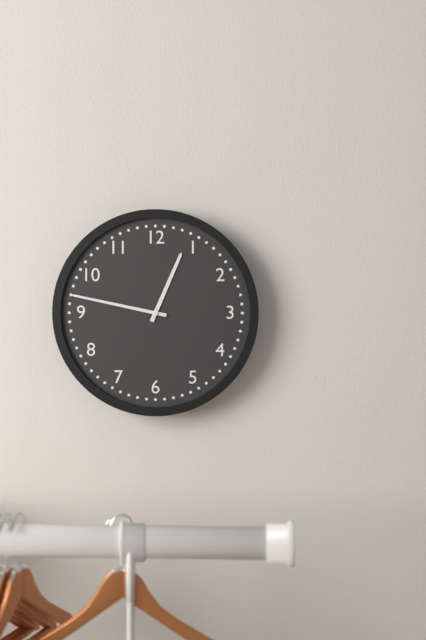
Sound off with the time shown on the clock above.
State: 12:47
